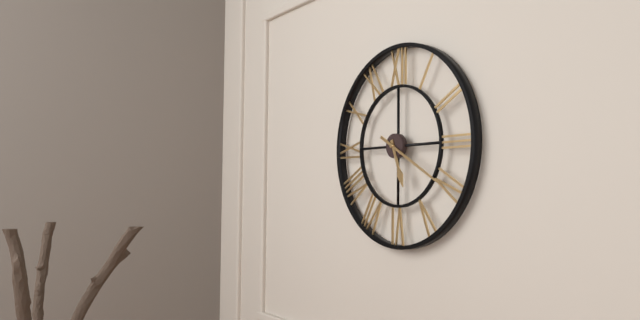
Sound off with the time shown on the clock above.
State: 5:20
